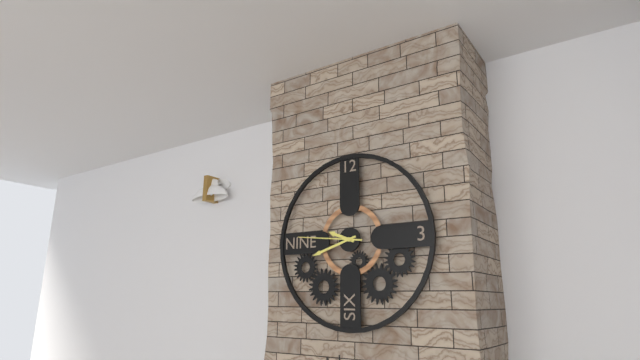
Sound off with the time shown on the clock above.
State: 9:42:46
